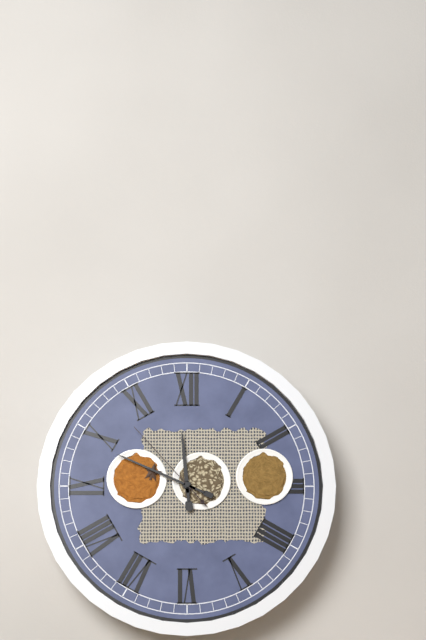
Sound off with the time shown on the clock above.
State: 11:49:53
